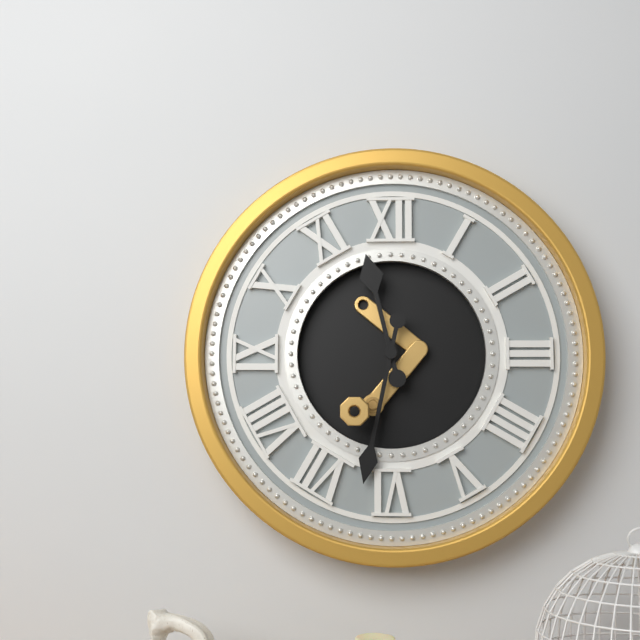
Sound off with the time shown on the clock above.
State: 11:32
